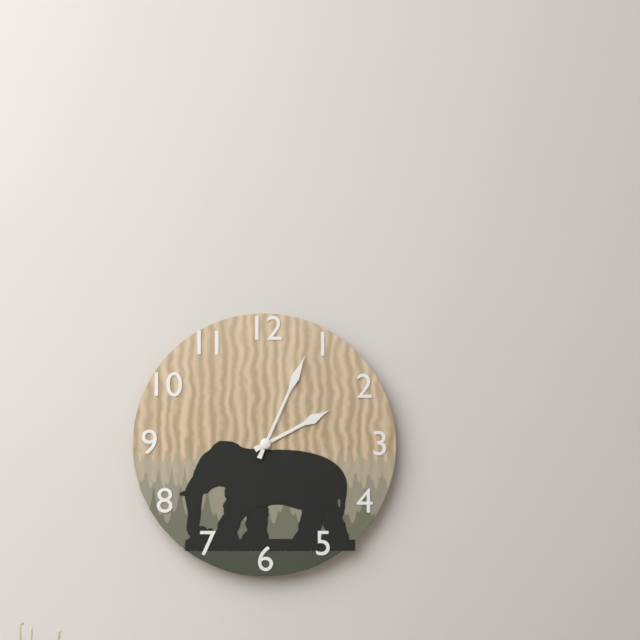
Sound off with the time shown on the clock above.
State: 2:04
